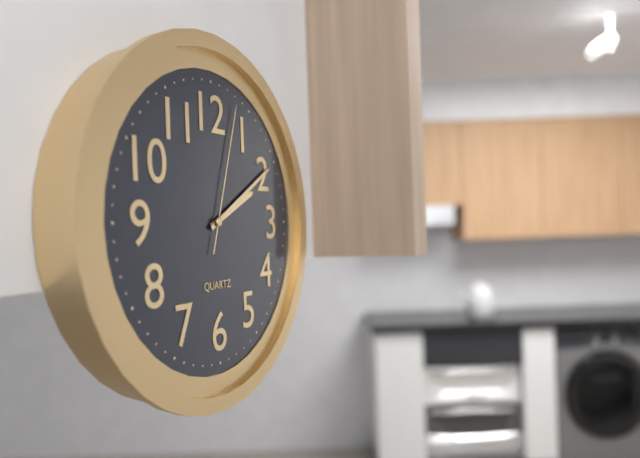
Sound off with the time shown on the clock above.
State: 2:10:03
